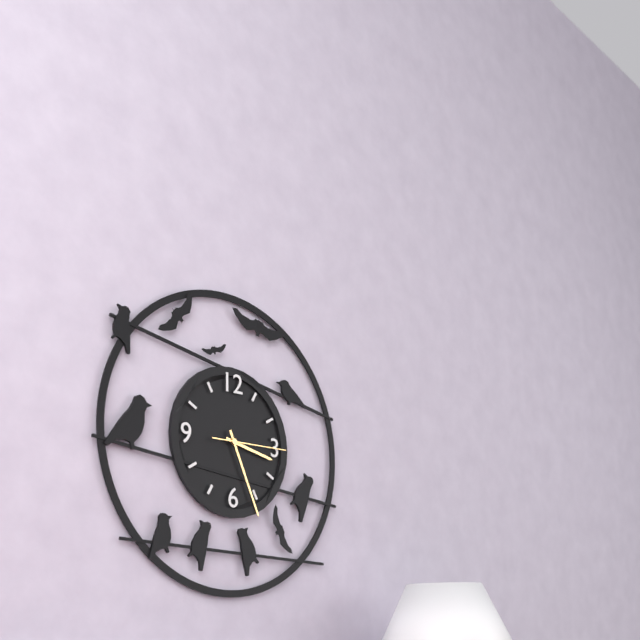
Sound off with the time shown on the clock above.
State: 3:26:15
